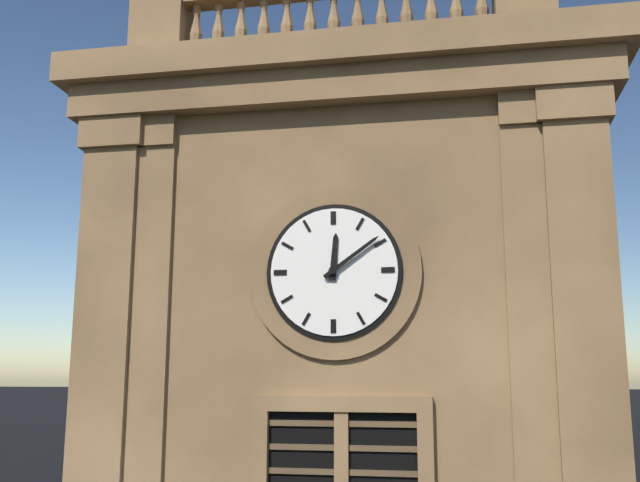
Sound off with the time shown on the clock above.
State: 12:09
